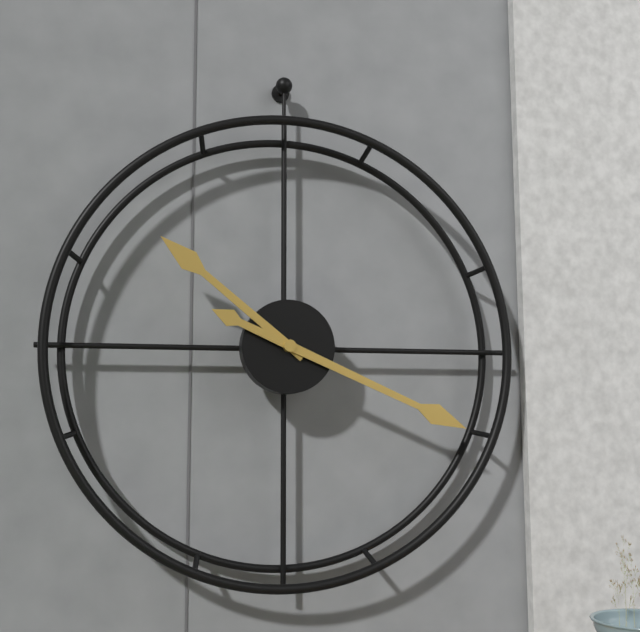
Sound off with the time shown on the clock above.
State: 10:19
